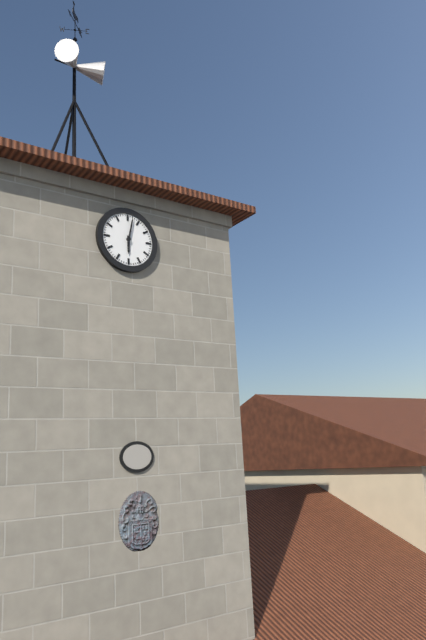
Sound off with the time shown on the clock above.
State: 6:02
